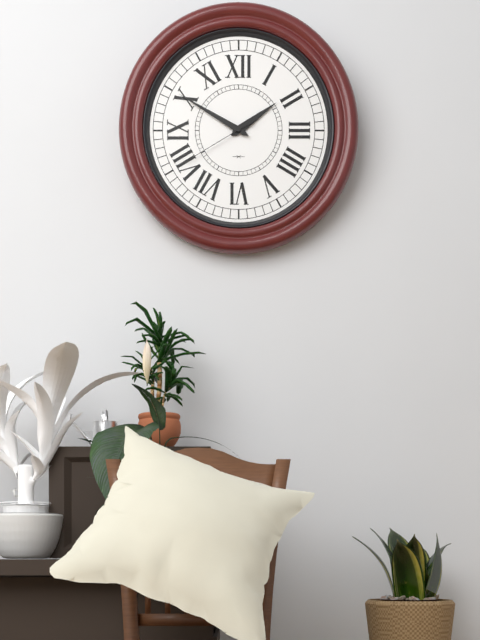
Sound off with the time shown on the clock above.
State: 1:50:40
